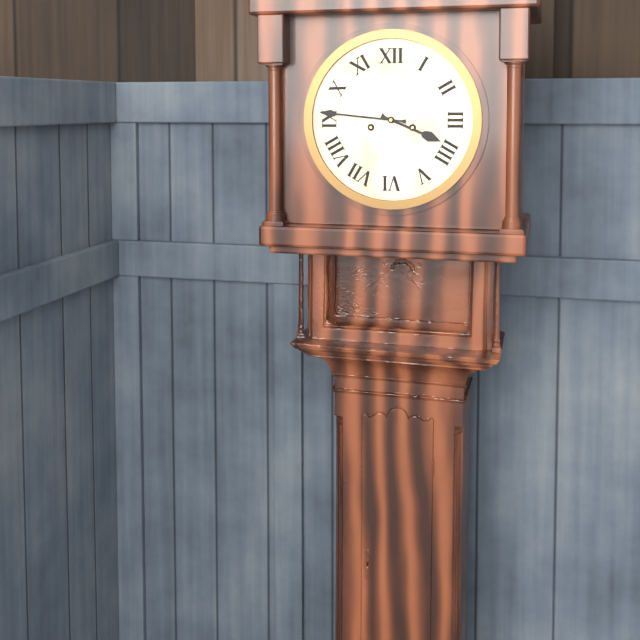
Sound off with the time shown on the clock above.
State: 3:46
